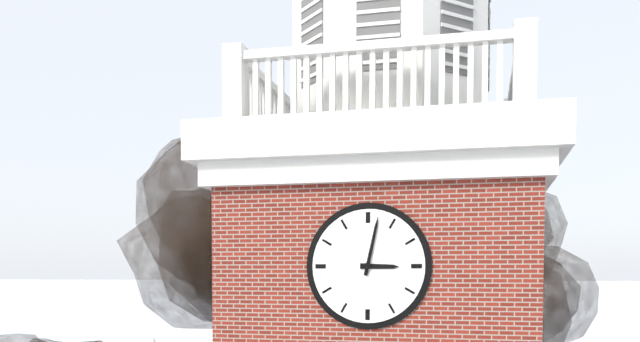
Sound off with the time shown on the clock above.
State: 3:02
